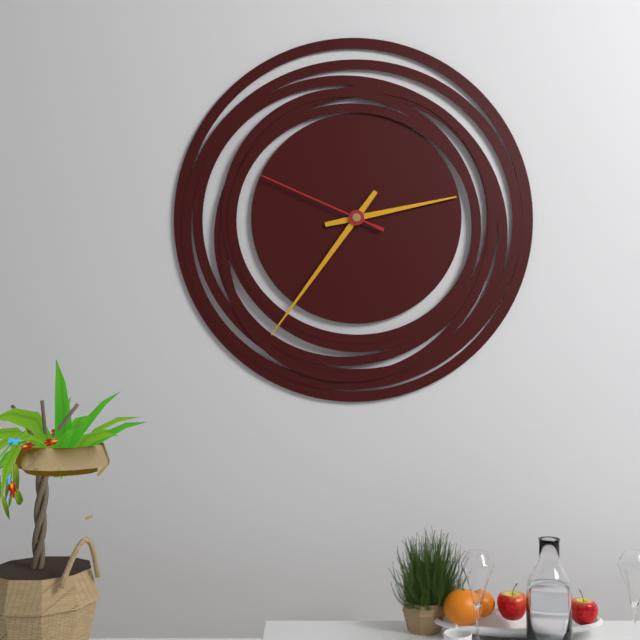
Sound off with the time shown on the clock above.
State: 2:36:49
